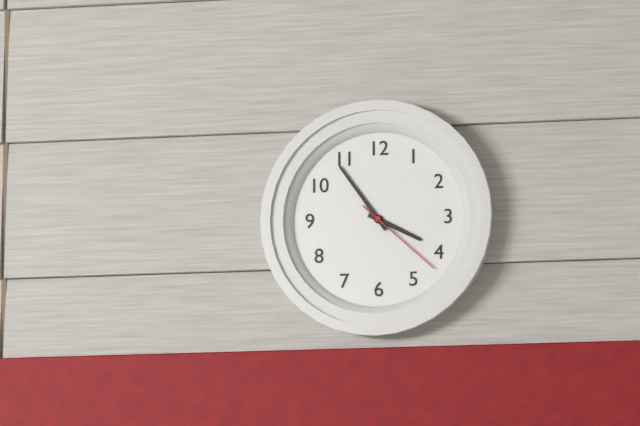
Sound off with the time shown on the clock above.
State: 3:54:22
